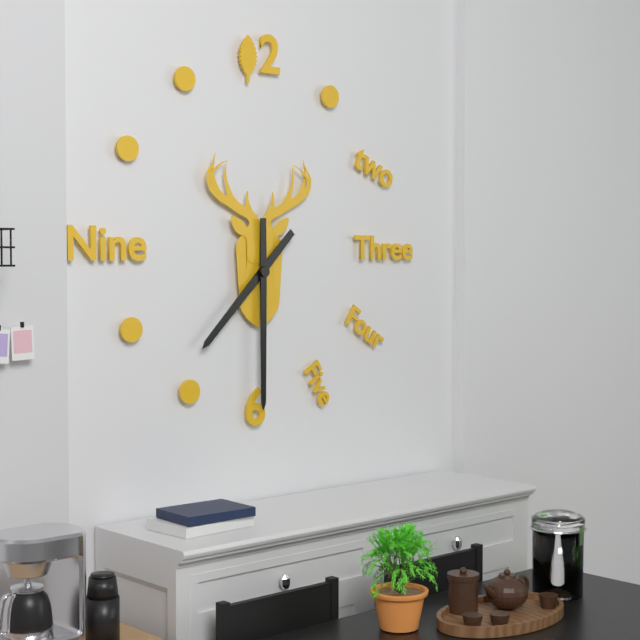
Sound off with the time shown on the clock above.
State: 7:30
